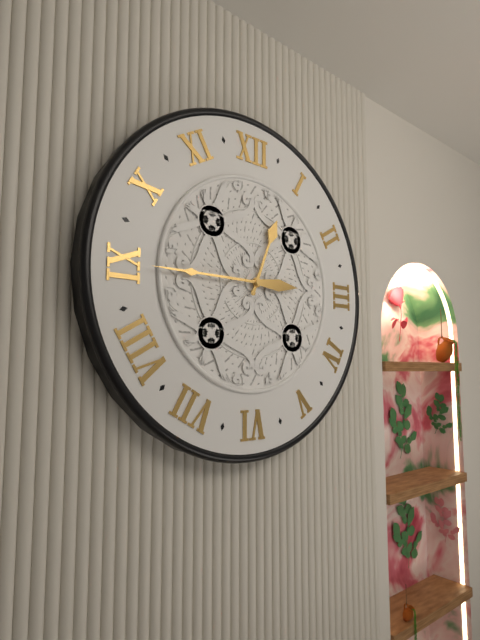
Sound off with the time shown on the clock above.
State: 12:45
